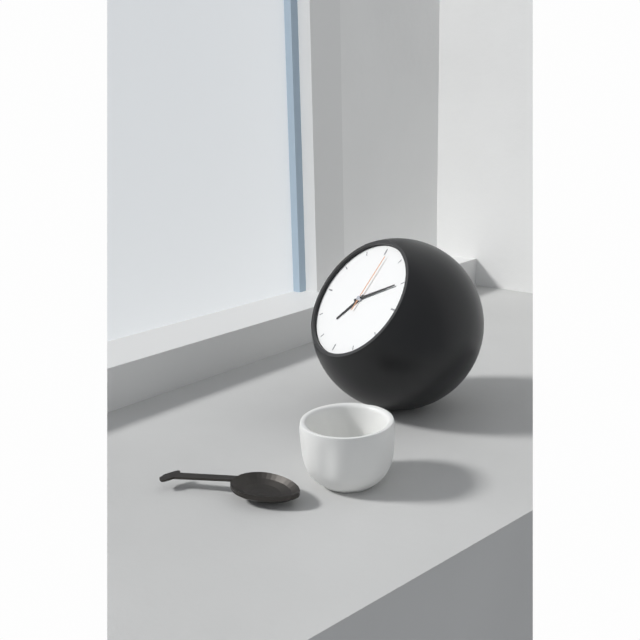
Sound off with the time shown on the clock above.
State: 7:10:01
